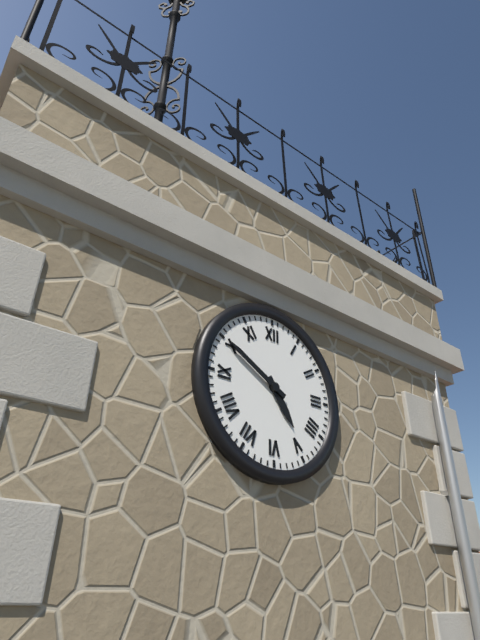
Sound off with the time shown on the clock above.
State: 4:50
